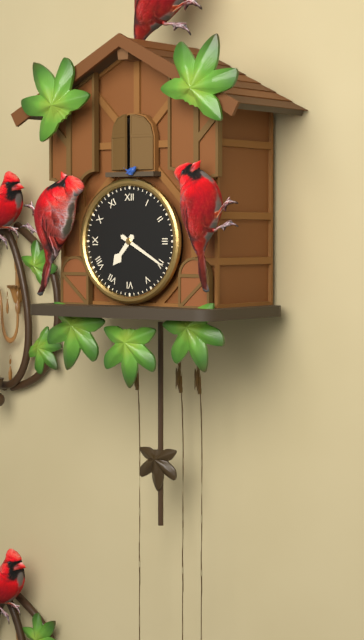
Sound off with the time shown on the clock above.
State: 7:20
